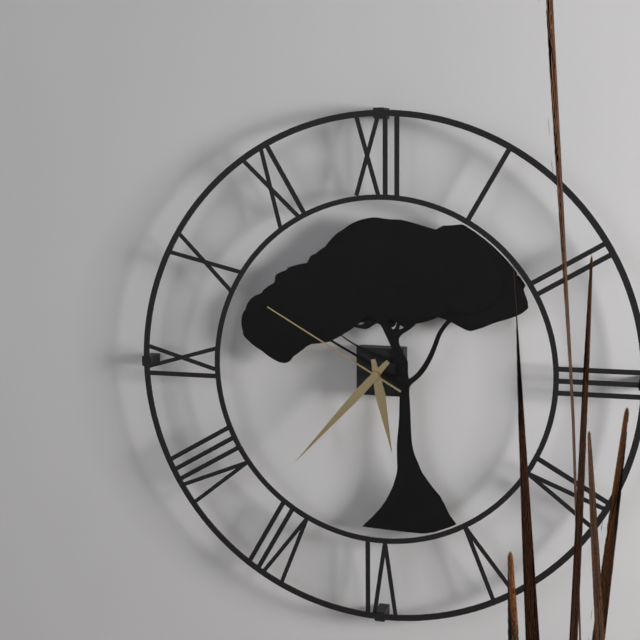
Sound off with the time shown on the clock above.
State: 5:37:50
